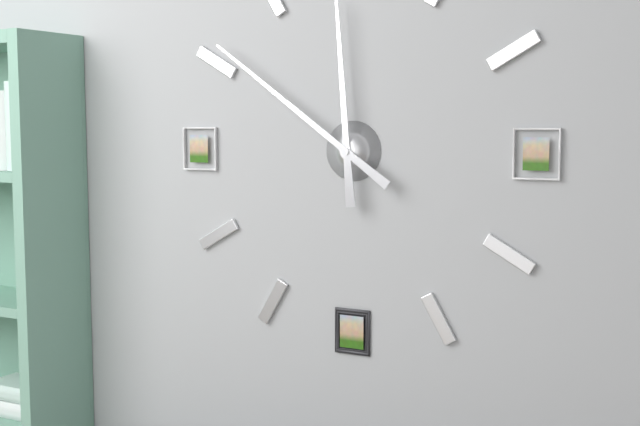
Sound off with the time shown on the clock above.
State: 11:51
